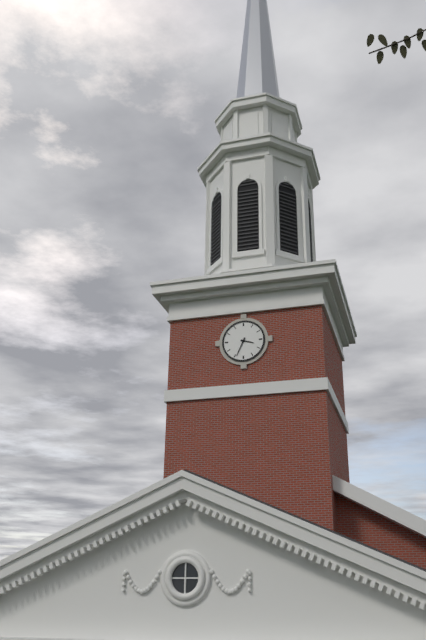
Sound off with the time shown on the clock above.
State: 3:34
